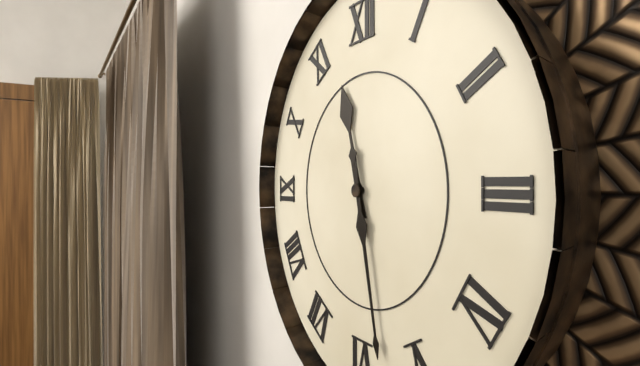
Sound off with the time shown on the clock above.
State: 11:28
